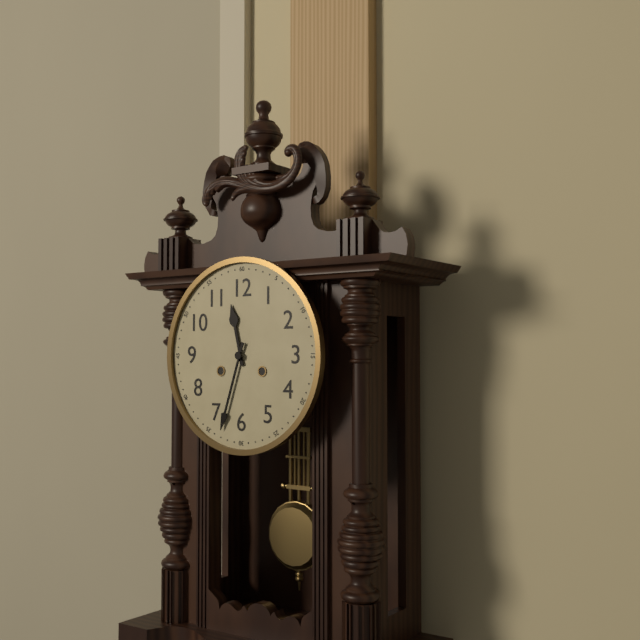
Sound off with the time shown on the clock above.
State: 11:33
